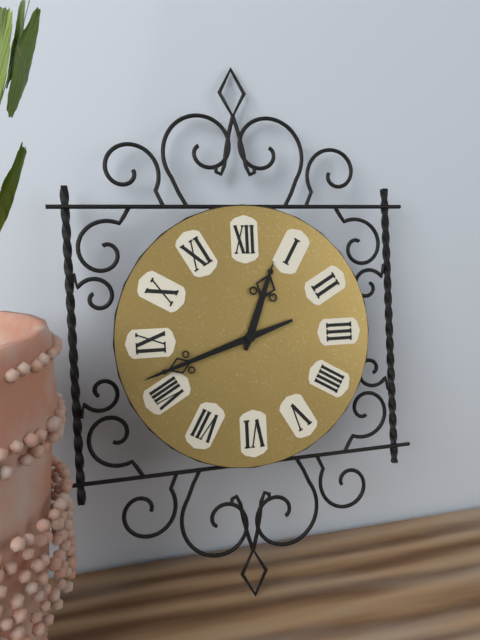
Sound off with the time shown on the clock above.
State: 12:42
